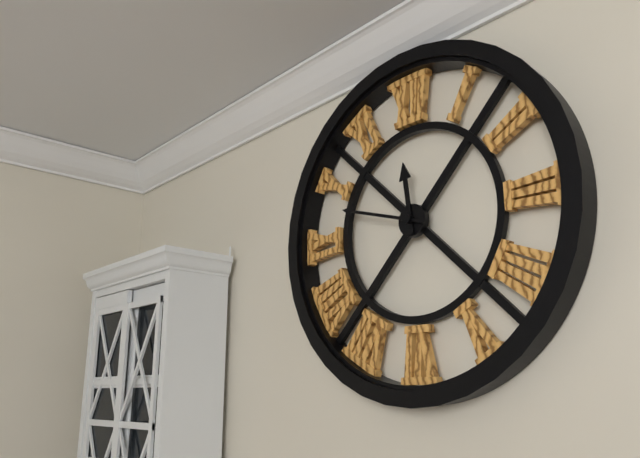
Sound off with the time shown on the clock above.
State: 11:48
